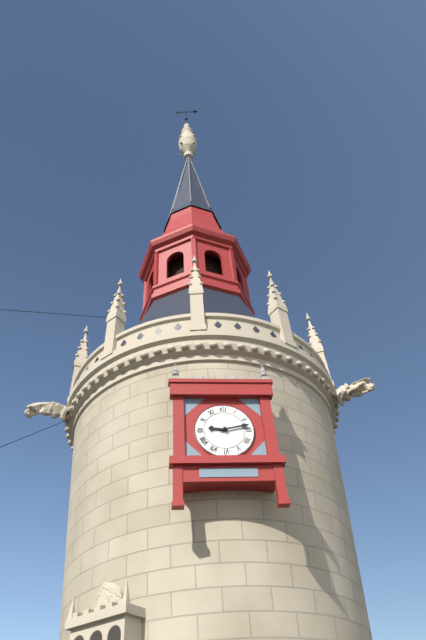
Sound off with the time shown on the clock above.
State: 9:13
